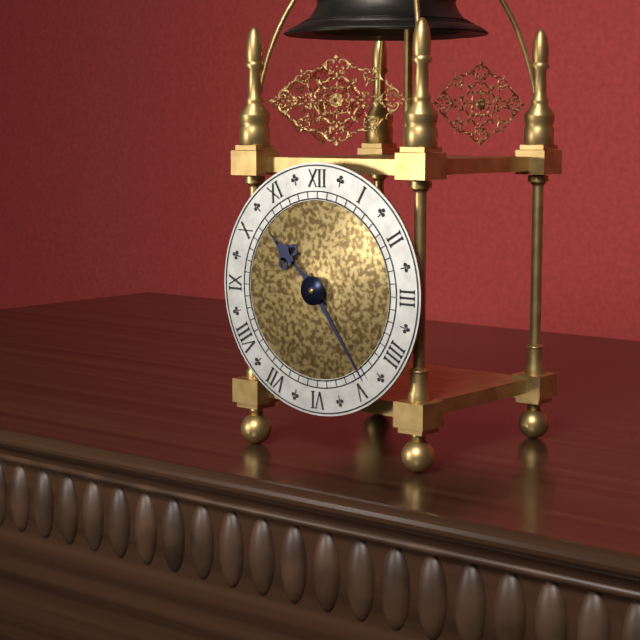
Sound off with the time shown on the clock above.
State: 10:24
